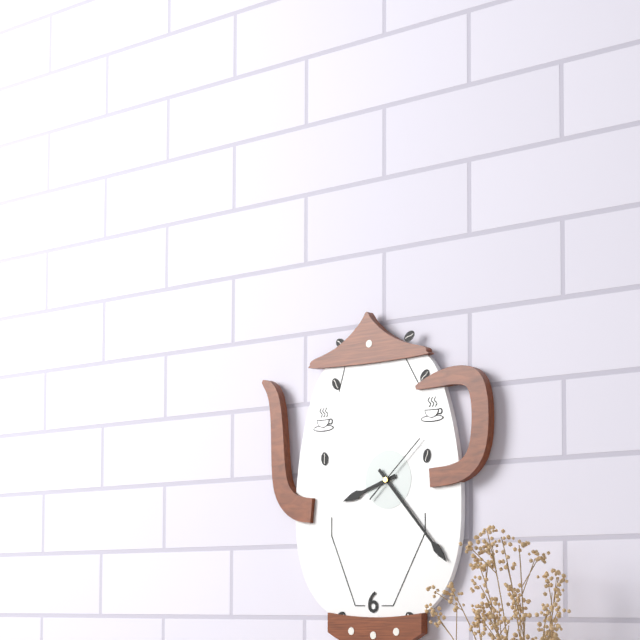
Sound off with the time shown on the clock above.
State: 8:23:08
